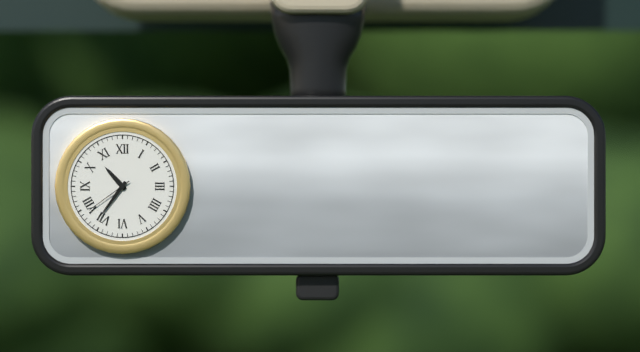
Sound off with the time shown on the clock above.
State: 10:36:39
